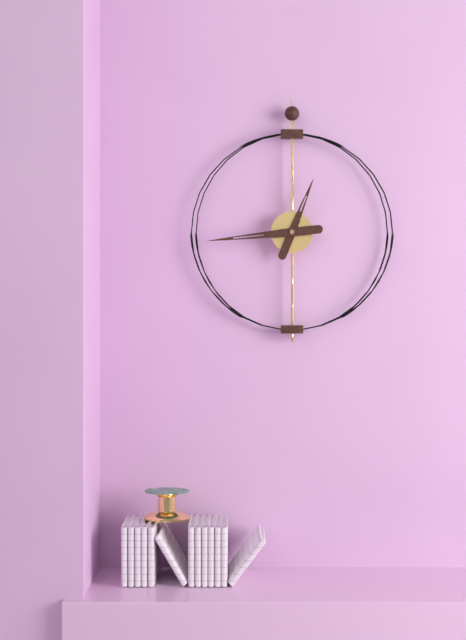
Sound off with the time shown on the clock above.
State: 12:44
